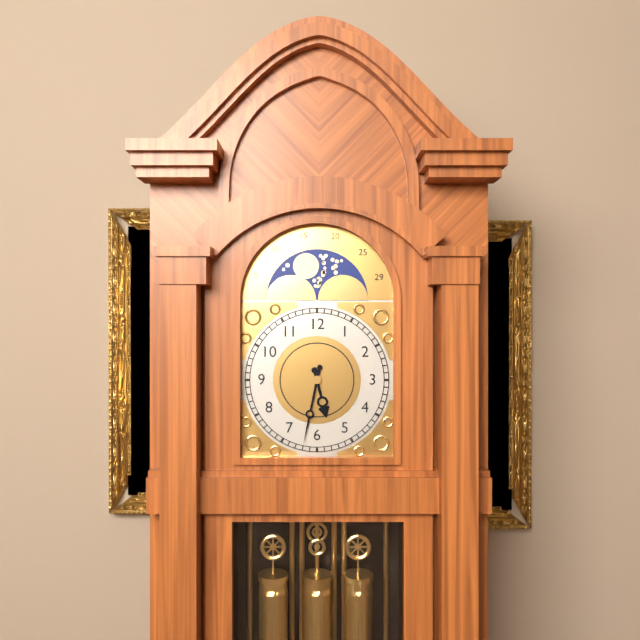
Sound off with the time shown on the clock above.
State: 5:32
